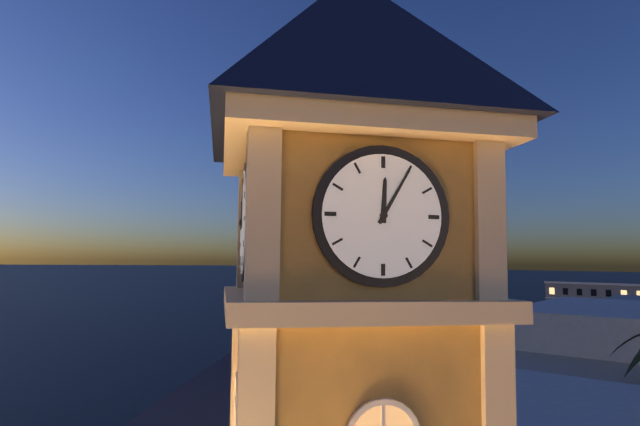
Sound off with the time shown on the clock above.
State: 12:05
